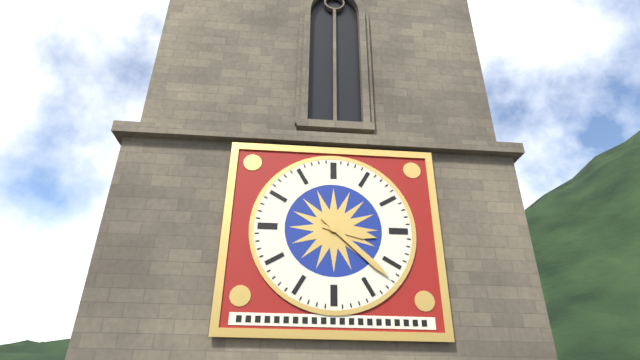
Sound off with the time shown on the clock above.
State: 3:22
